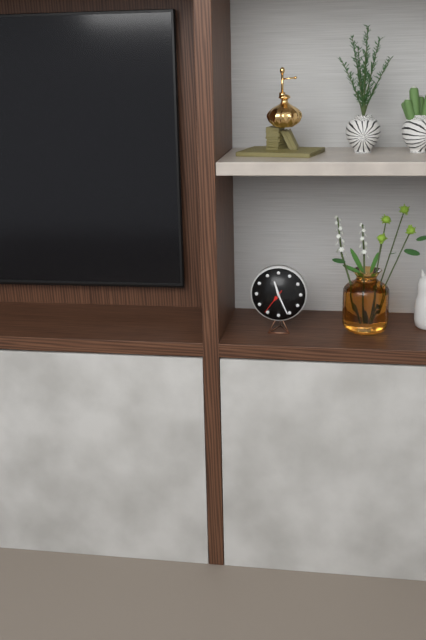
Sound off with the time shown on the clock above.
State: 11:26
